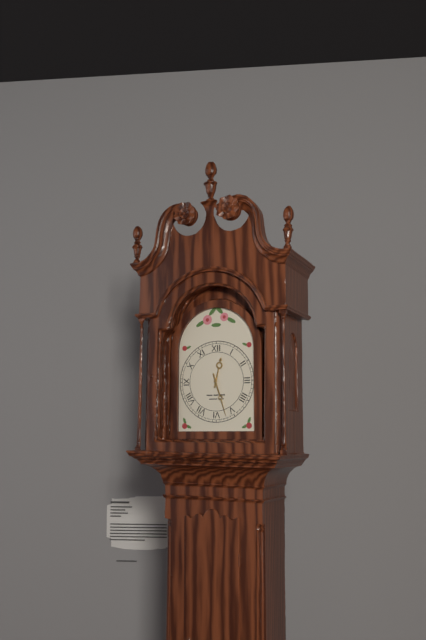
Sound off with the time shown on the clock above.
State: 12:27
